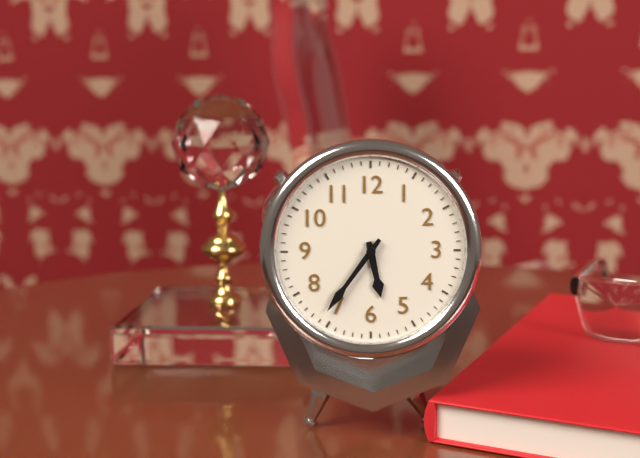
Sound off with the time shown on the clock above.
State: 5:36
